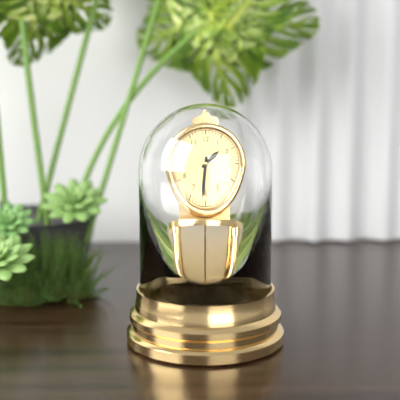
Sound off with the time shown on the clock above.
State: 1:31
